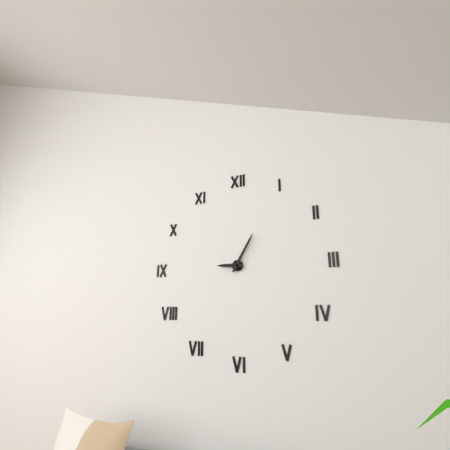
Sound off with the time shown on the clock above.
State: 9:05
